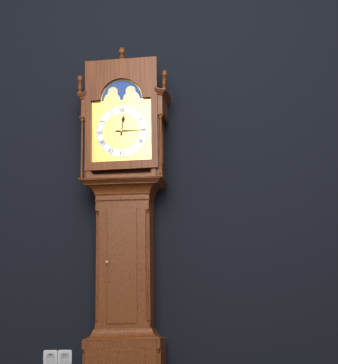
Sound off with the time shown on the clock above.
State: 12:15
